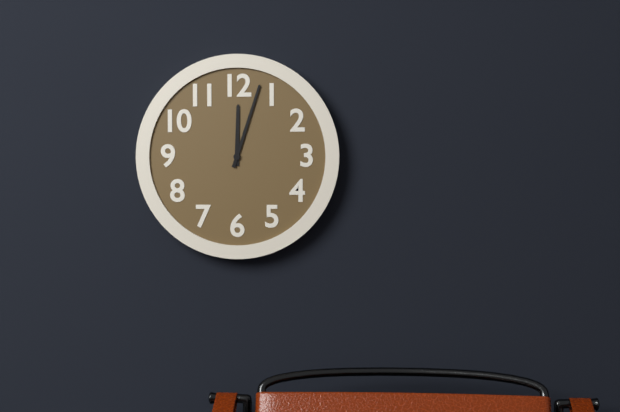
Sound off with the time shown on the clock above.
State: 12:03
